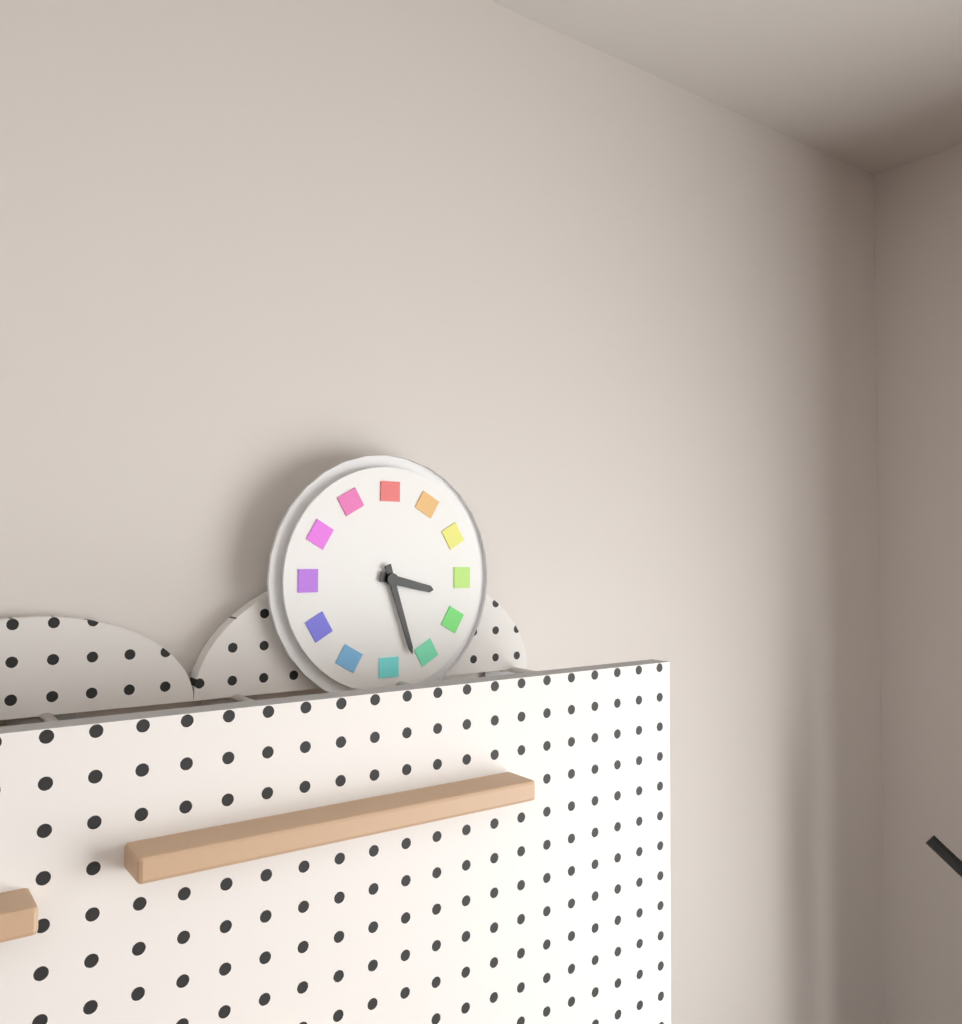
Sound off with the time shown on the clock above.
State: 3:27
